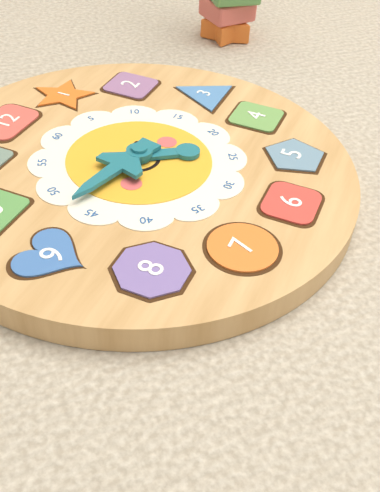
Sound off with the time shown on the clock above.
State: 4:47
